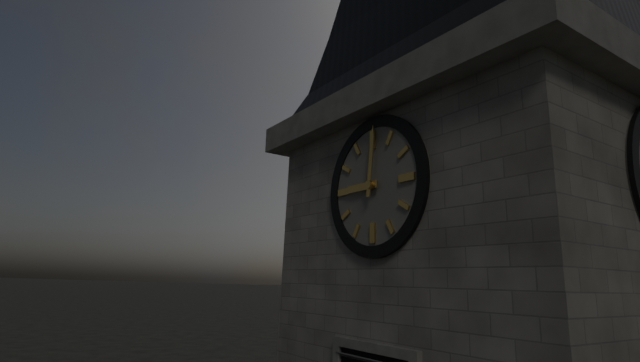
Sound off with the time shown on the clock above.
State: 9:01
